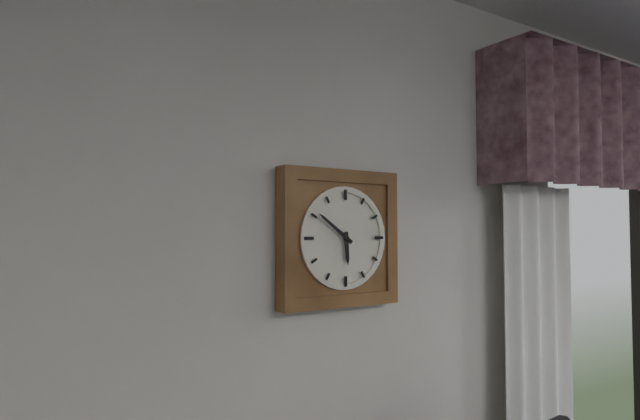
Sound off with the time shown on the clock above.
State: 5:51
